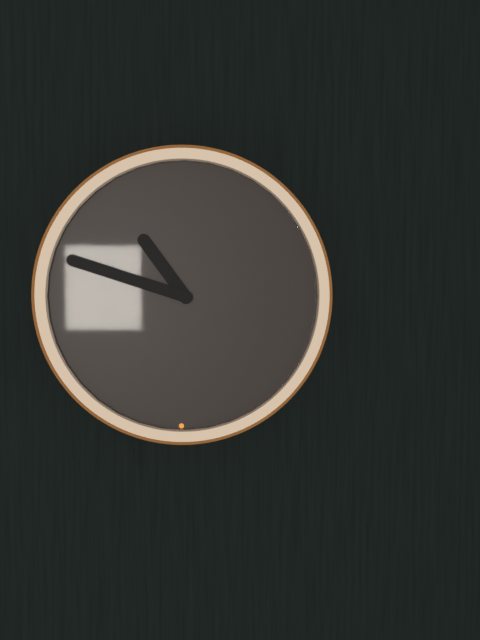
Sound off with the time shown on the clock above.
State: 10:48
